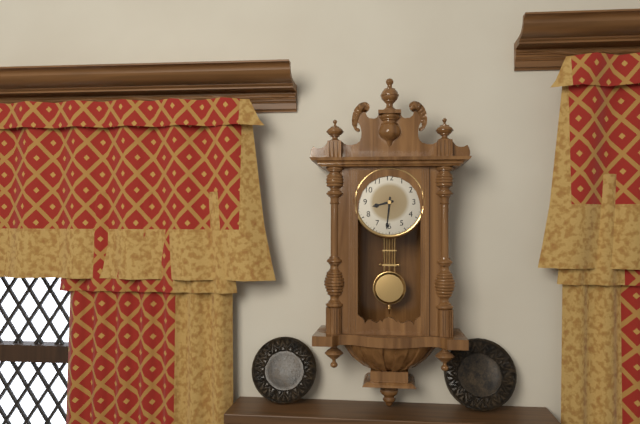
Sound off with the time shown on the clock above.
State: 8:31
